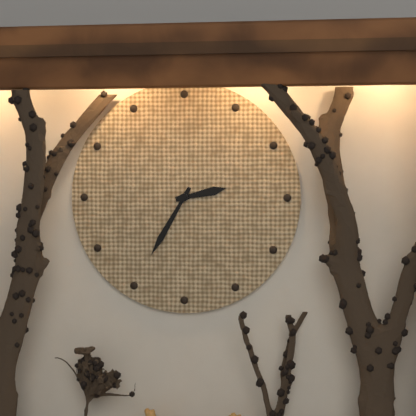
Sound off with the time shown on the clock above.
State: 2:35
